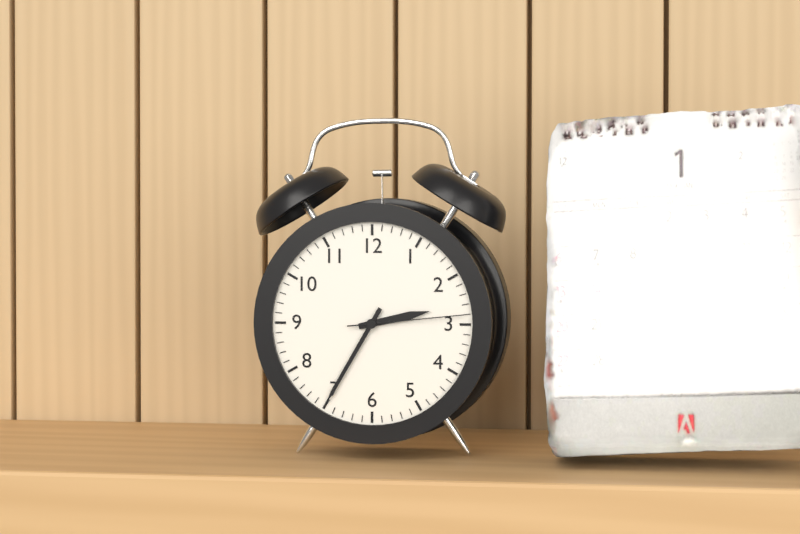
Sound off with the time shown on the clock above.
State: 2:35:14
